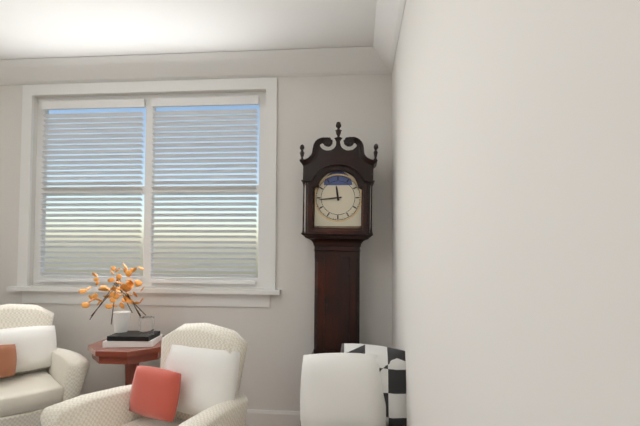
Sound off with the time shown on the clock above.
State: 11:44
